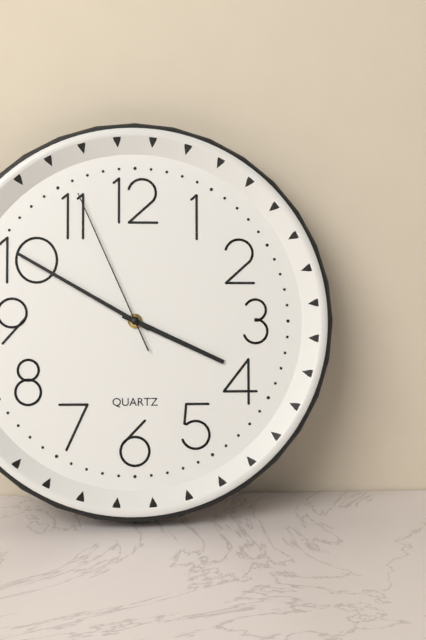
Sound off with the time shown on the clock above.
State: 3:50:56
